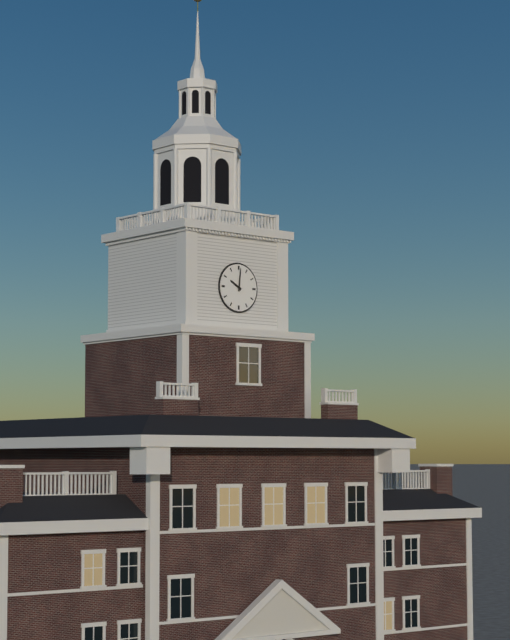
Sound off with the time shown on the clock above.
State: 10:01
